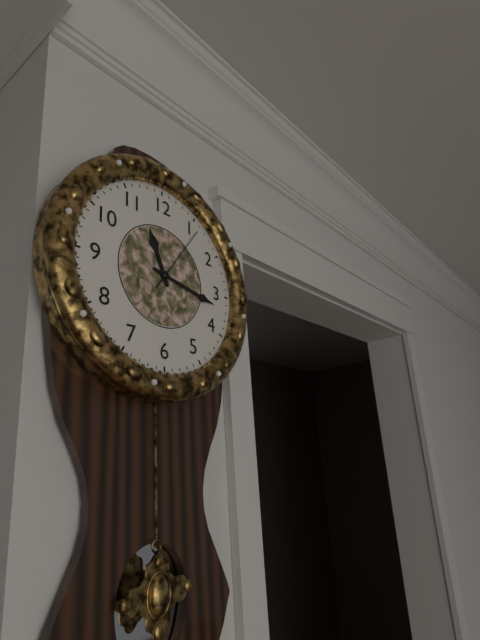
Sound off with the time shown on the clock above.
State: 11:17:06
